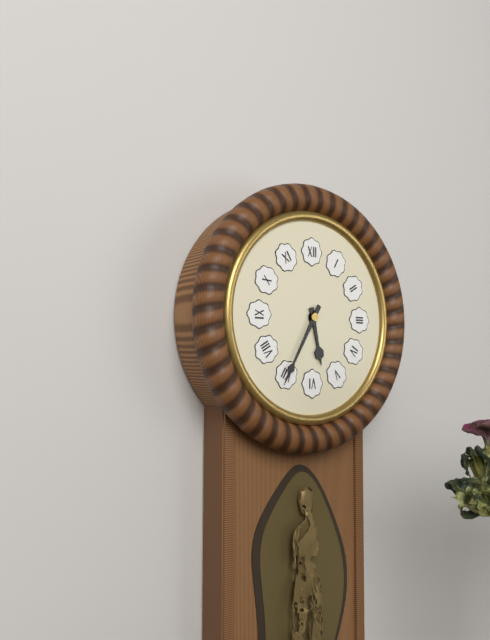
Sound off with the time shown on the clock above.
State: 5:35
